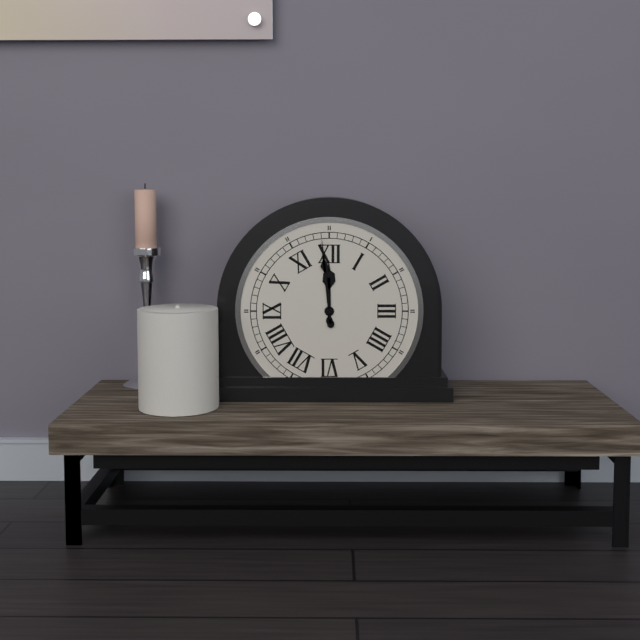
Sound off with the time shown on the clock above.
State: 11:59
